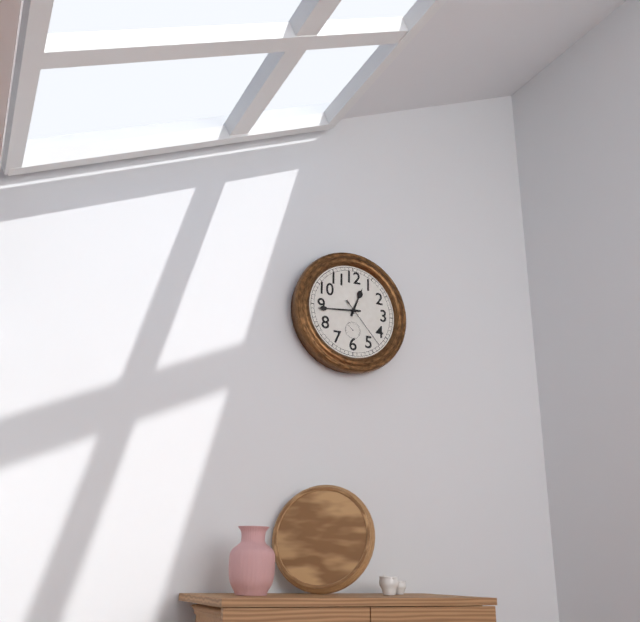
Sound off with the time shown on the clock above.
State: 12:44:23
